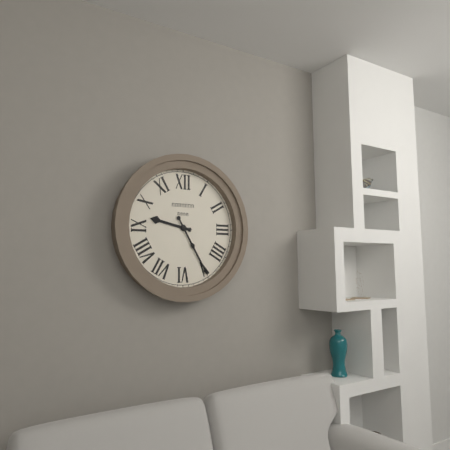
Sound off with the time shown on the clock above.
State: 9:25
